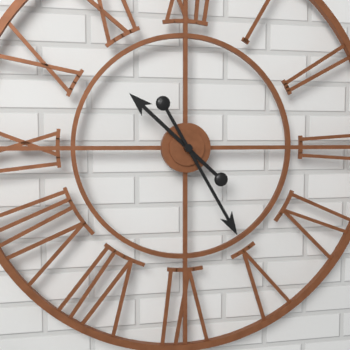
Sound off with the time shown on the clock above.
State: 10:25
